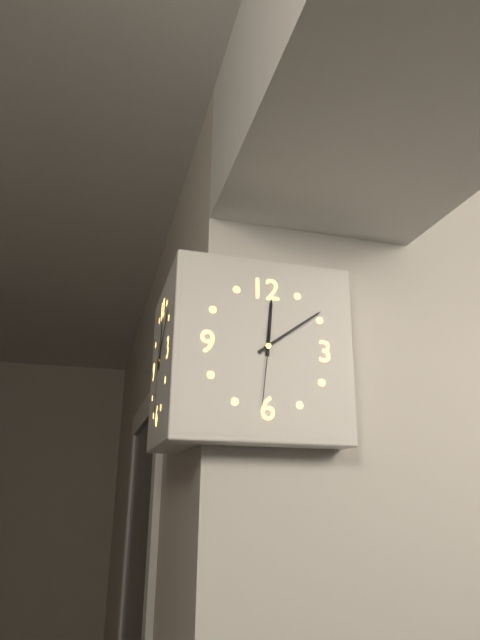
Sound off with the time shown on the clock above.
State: 12:09:31
